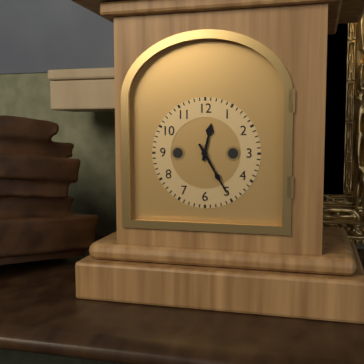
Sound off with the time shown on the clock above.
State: 12:25
